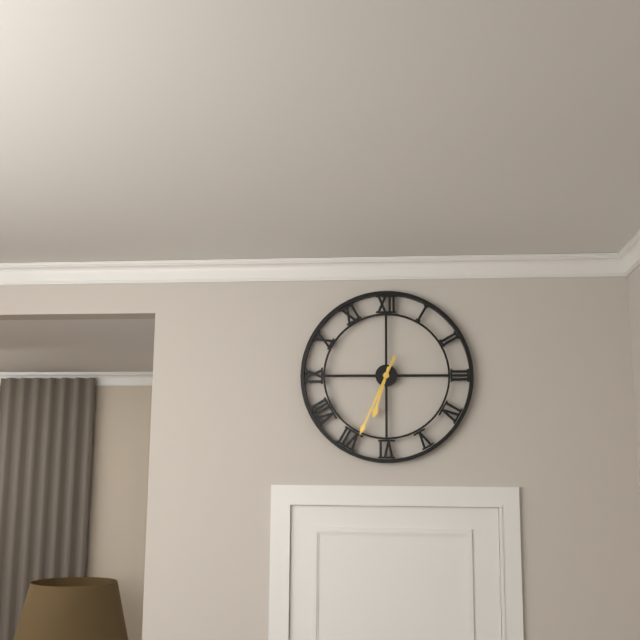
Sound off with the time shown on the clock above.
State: 6:34
